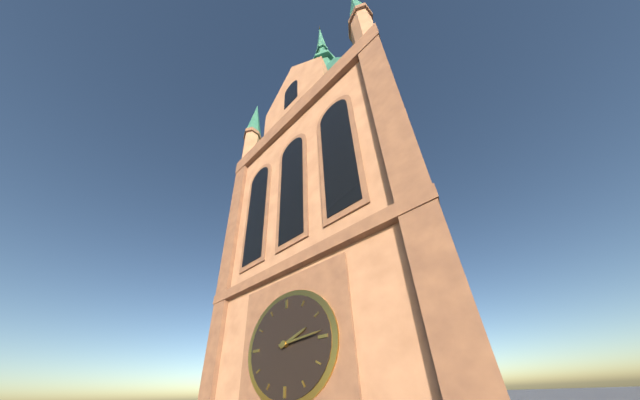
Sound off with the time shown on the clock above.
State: 2:14
